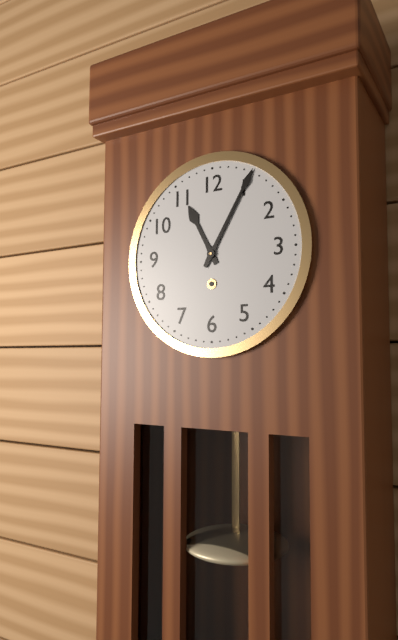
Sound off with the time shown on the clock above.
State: 11:05
